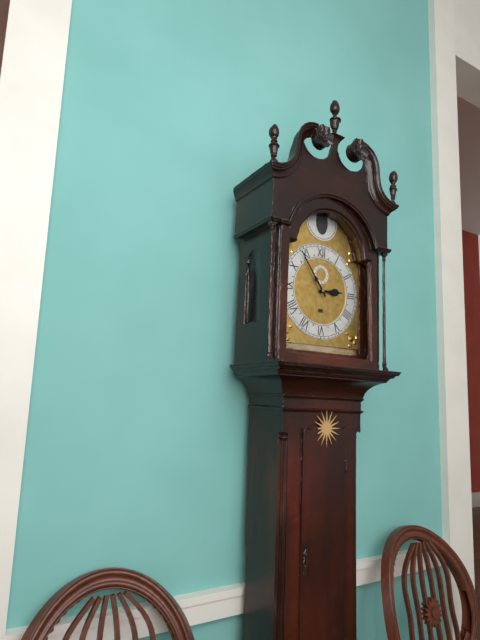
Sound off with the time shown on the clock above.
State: 2:54
